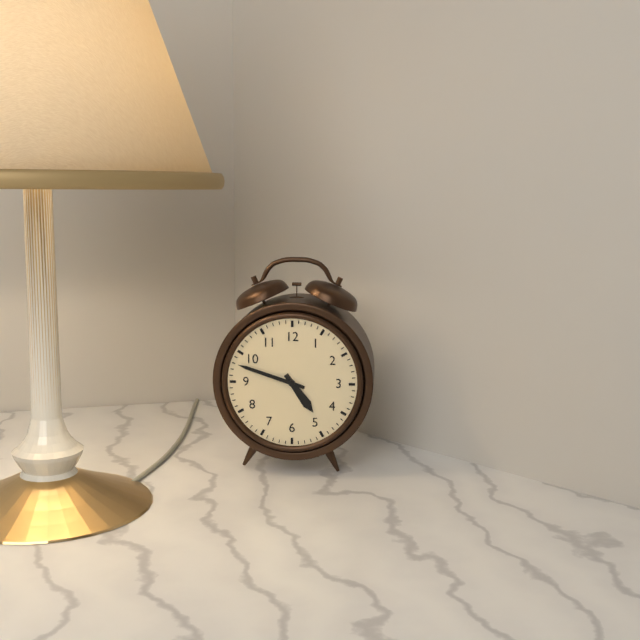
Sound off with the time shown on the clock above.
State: 4:48
